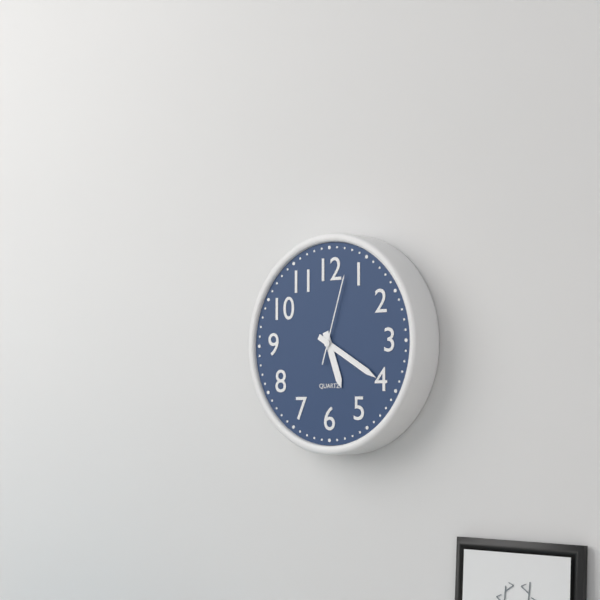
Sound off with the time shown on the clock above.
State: 5:20:03
